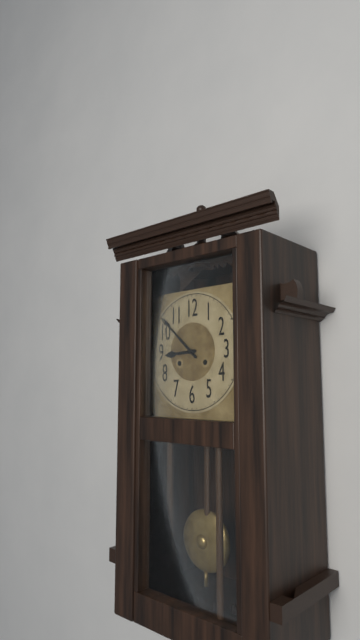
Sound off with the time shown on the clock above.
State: 8:52
